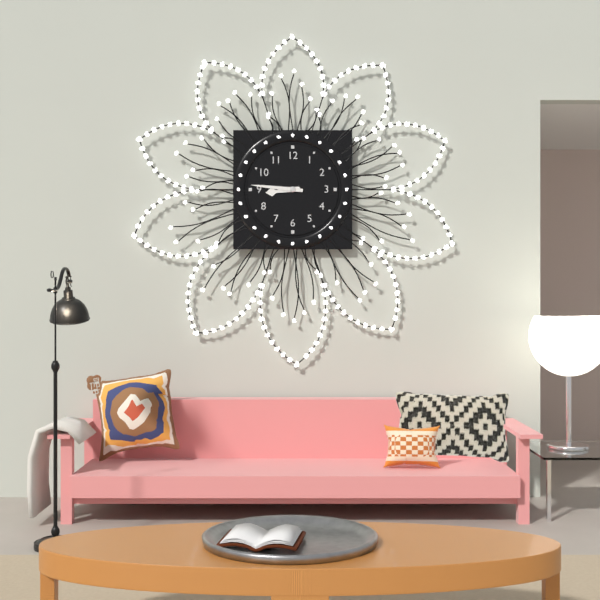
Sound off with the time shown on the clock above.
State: 8:46
